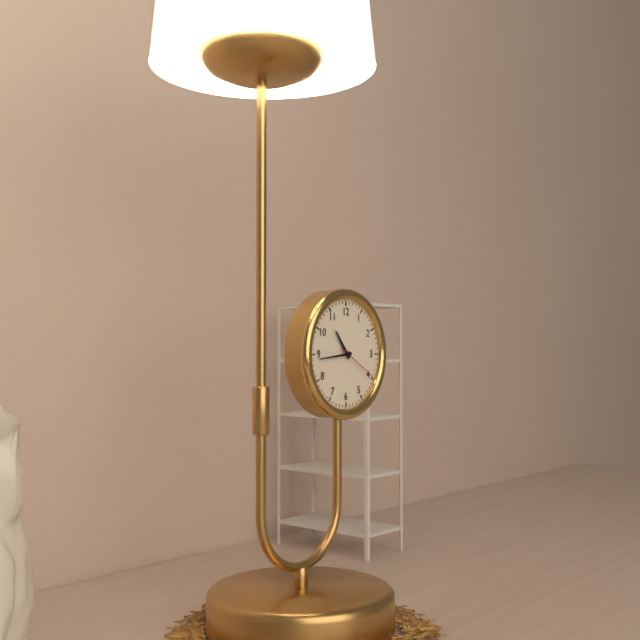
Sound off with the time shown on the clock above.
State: 10:44:20
